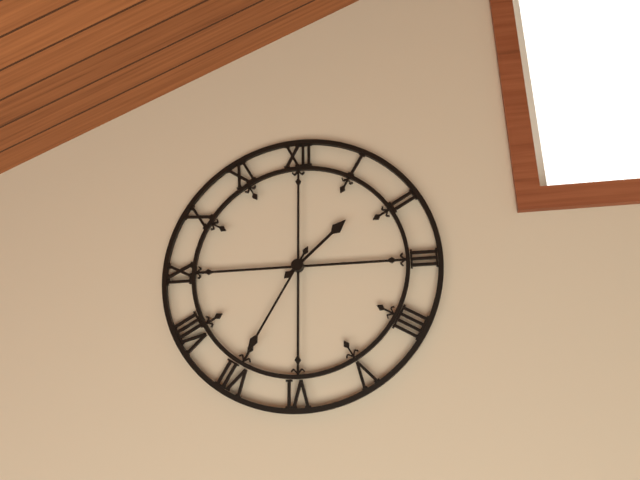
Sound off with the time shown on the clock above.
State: 1:35
